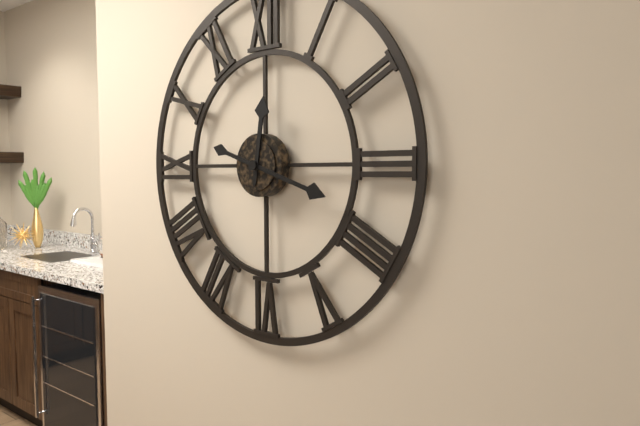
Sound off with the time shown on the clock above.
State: 12:18
